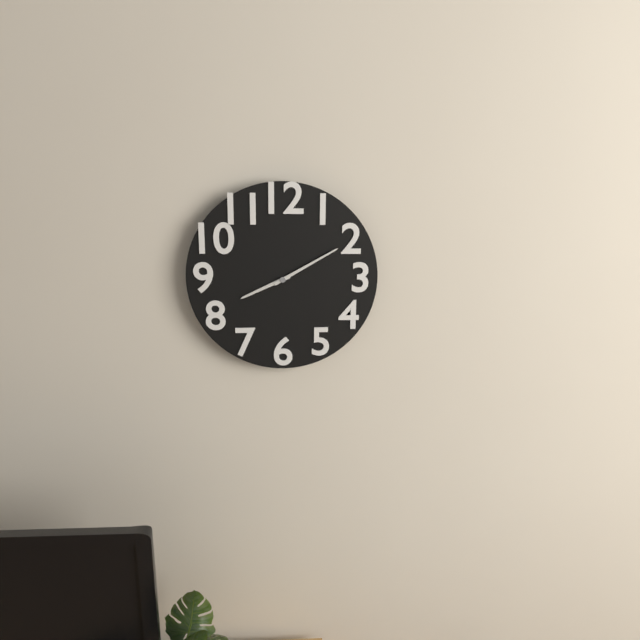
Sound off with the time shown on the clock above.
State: 8:10
